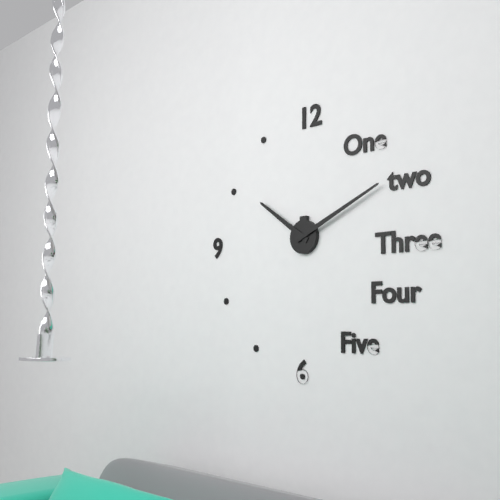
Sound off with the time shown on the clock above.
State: 10:11
